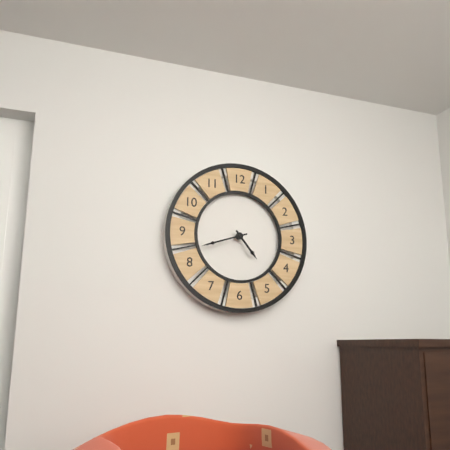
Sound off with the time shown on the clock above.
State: 4:42
